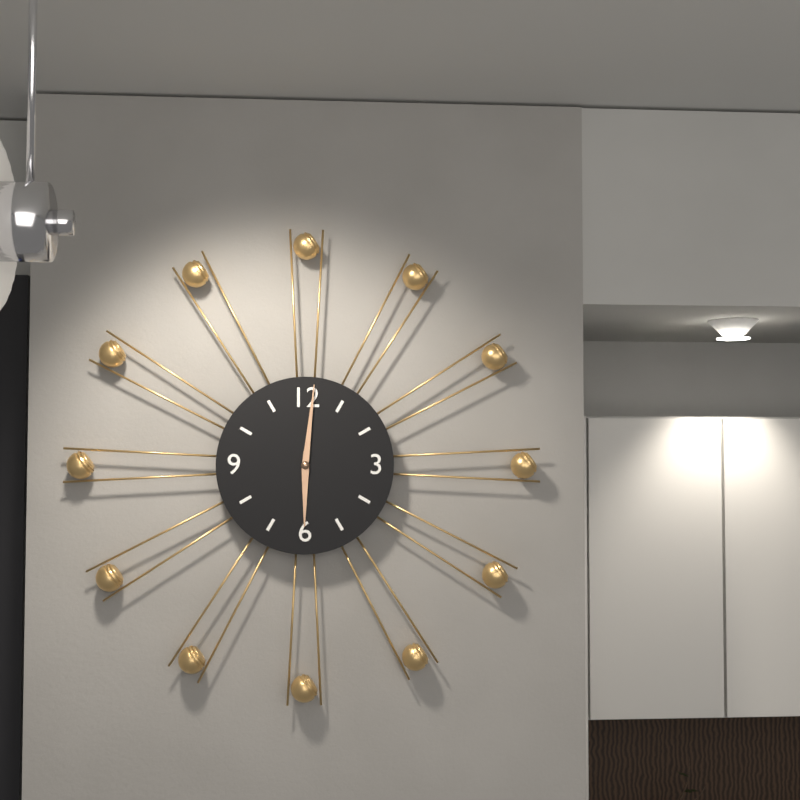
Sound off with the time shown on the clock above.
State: 6:01
